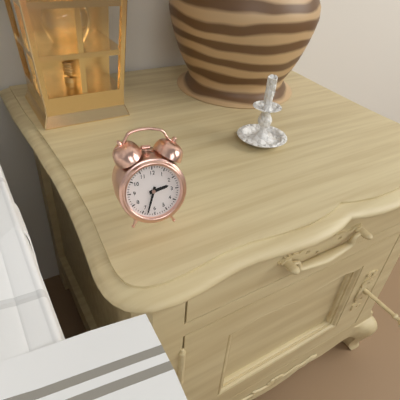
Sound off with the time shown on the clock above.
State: 2:33
